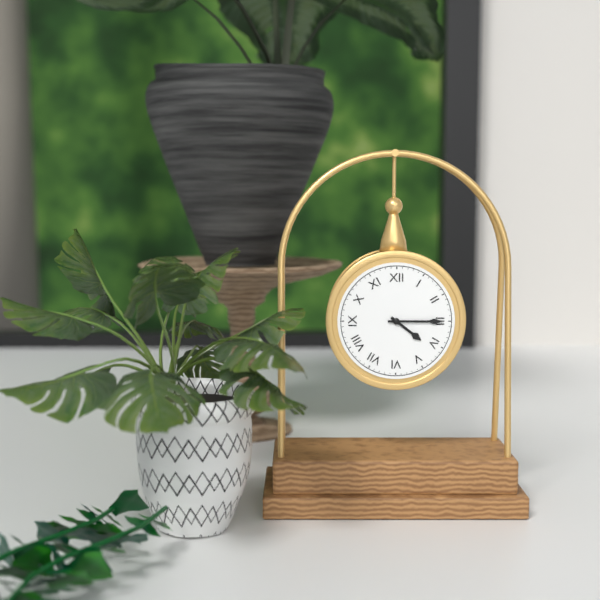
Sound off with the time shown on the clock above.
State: 4:15
